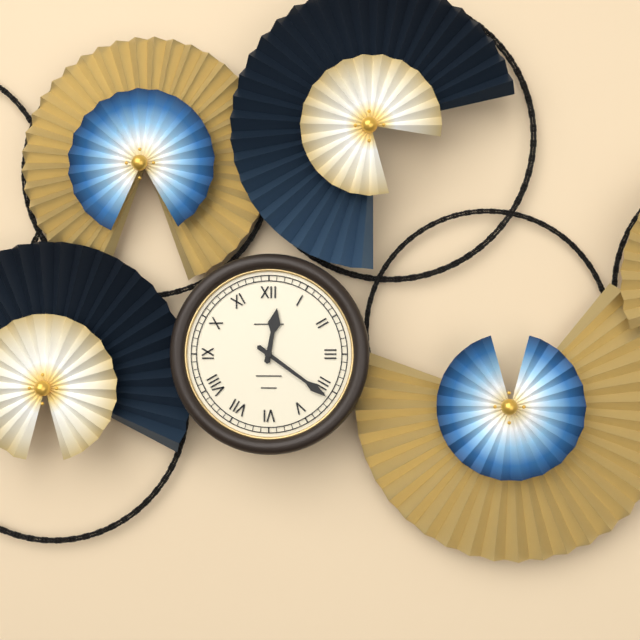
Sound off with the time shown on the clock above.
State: 12:21
